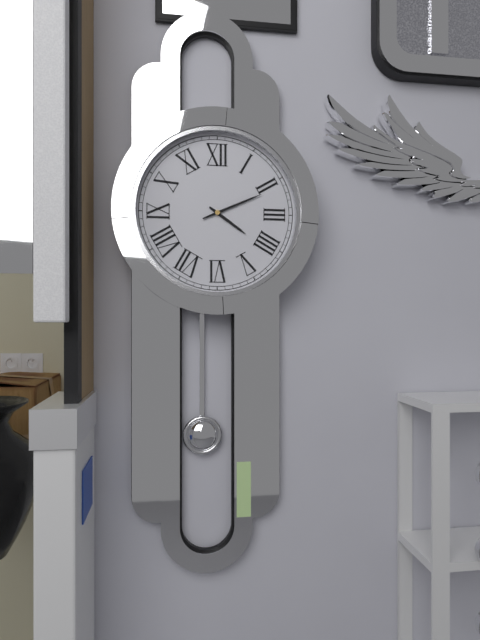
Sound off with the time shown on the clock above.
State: 4:11
